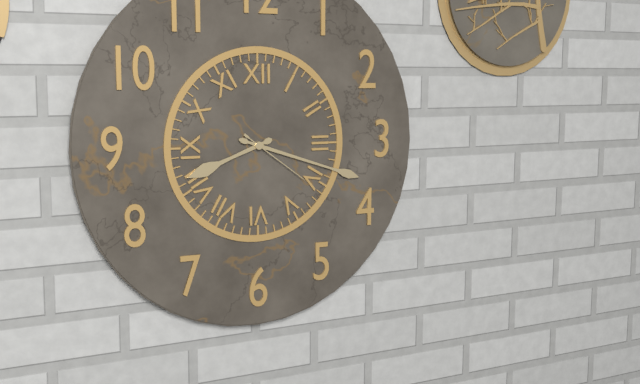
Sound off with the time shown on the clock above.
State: 8:18:21
